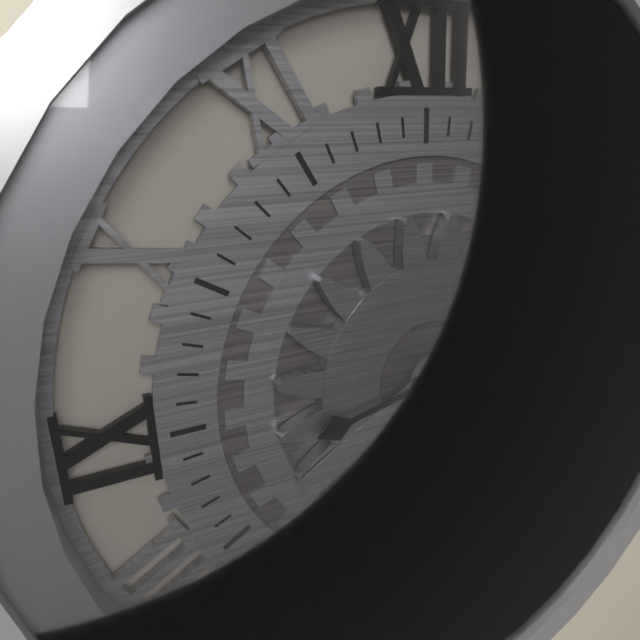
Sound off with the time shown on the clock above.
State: 3:13
